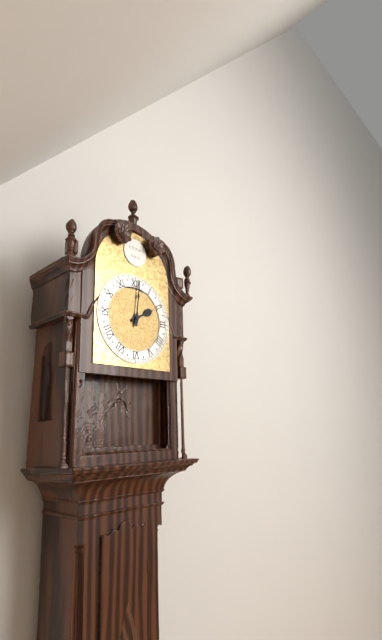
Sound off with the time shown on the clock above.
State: 2:01
